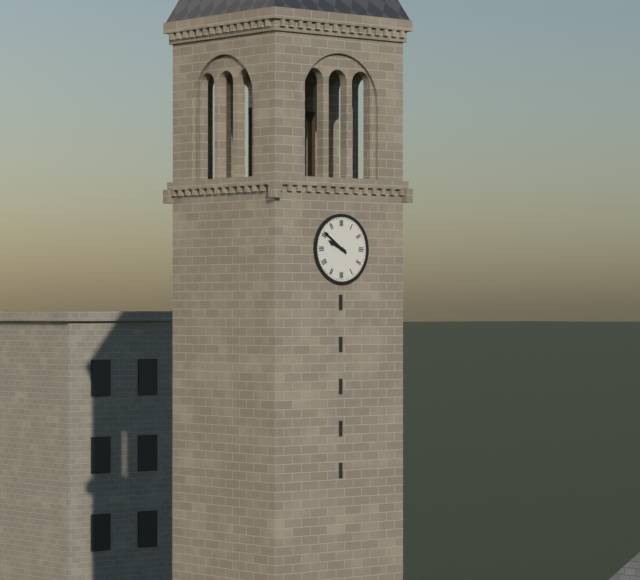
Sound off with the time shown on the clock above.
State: 9:51
